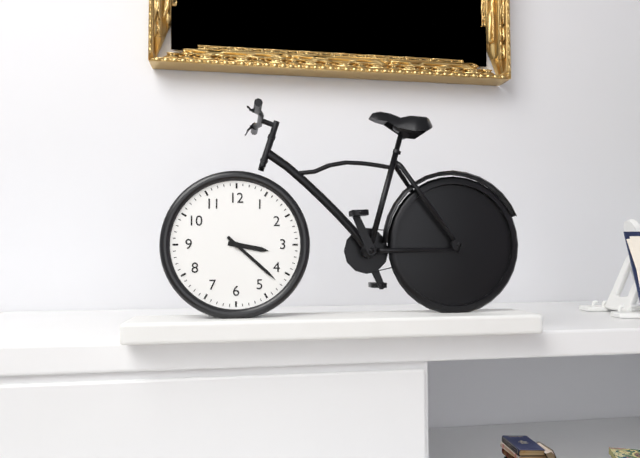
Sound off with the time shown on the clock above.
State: 3:22
